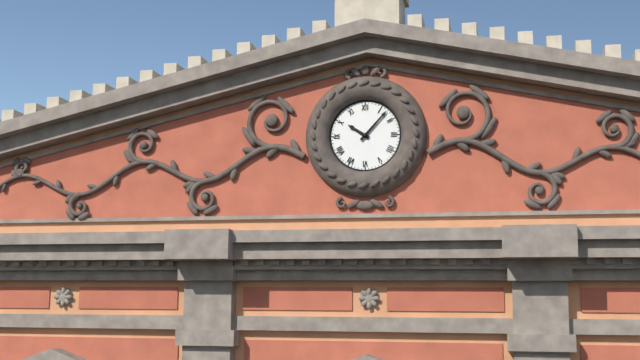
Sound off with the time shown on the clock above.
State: 10:07
